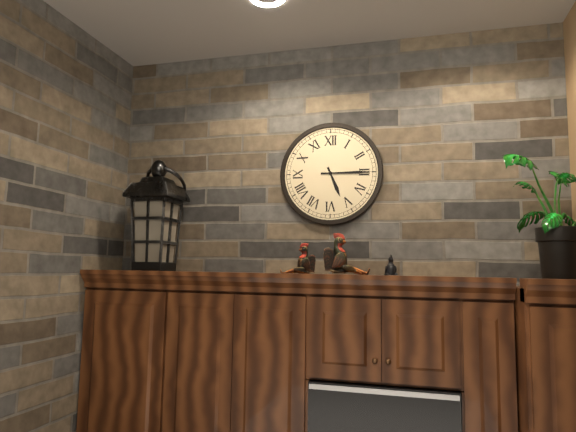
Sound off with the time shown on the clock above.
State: 5:15
